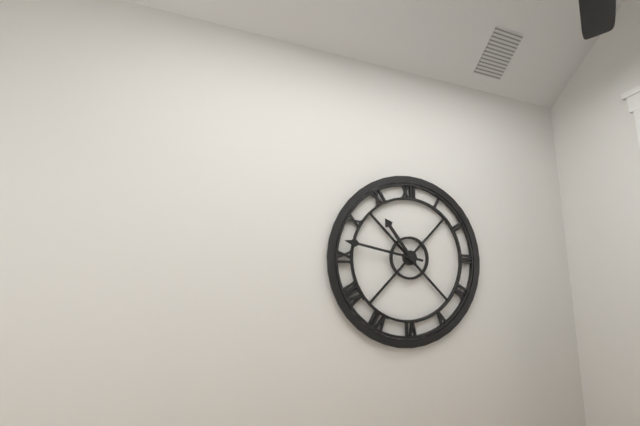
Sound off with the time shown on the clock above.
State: 10:47
